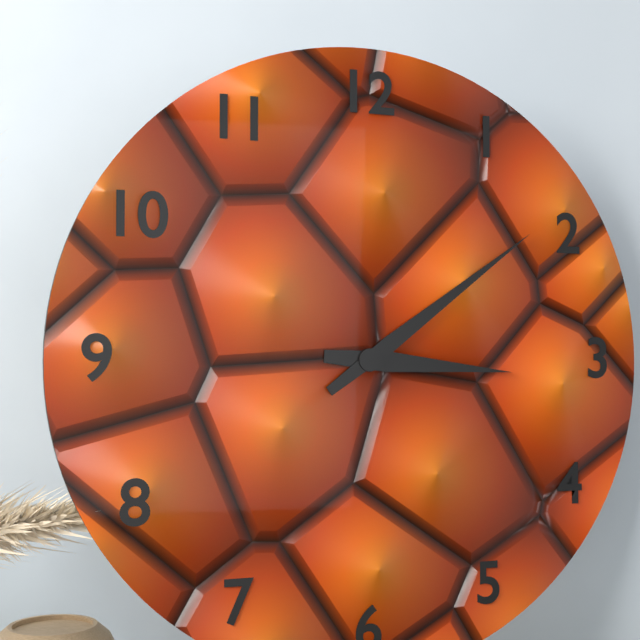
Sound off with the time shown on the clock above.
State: 3:09
